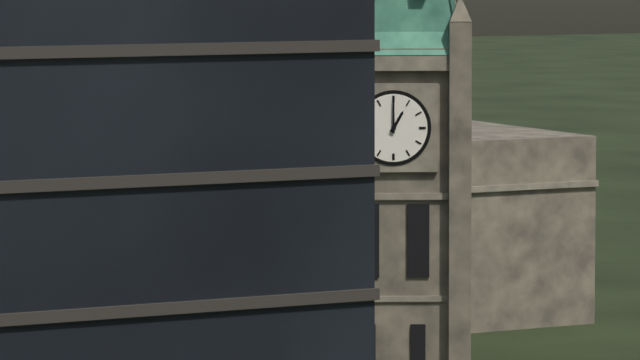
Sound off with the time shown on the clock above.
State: 1:00
